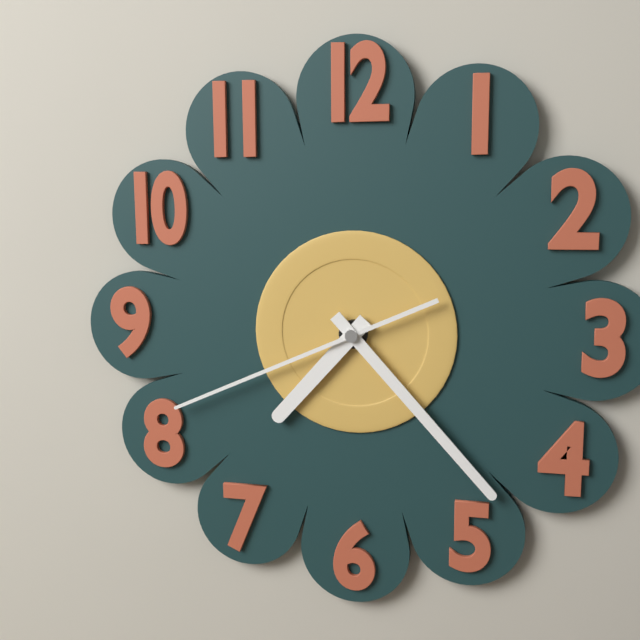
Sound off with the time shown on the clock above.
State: 7:23:41
